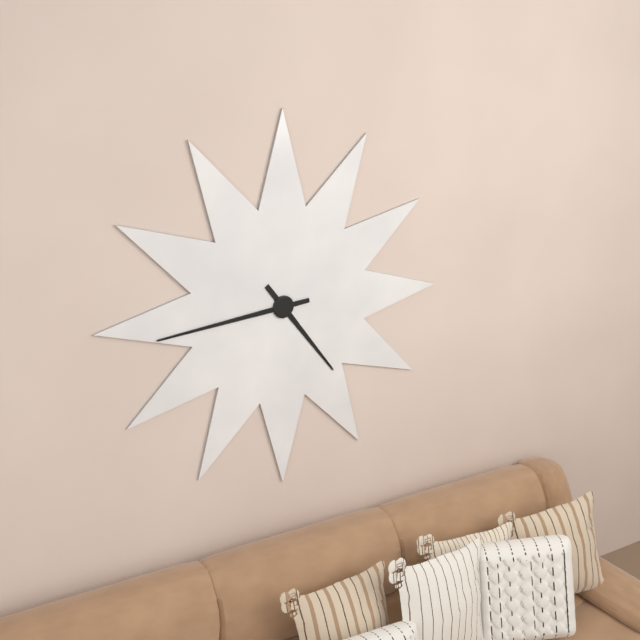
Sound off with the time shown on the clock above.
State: 4:44
